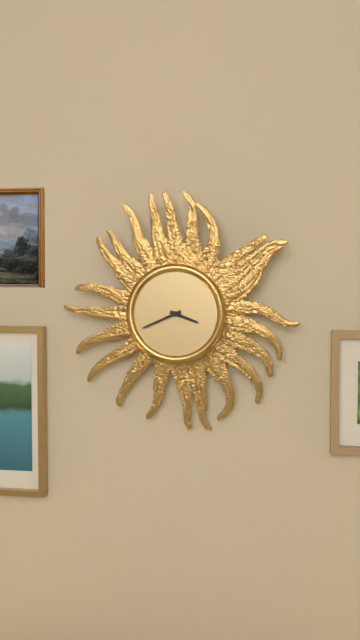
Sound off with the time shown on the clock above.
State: 3:41
